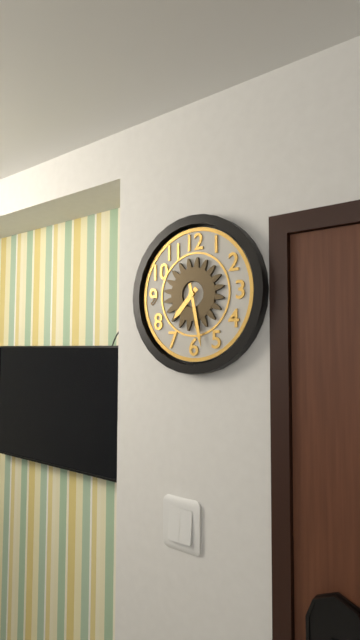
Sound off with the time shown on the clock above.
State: 7:28
